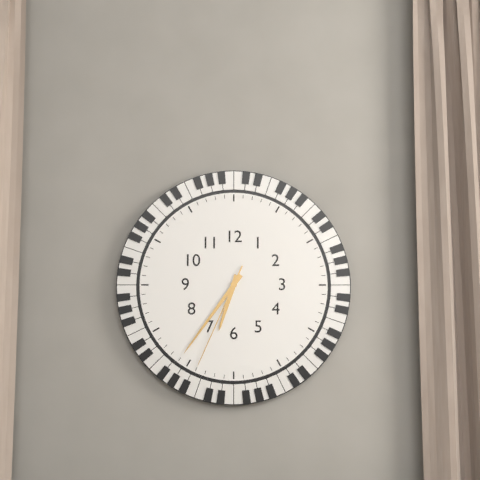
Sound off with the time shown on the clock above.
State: 6:36:34
